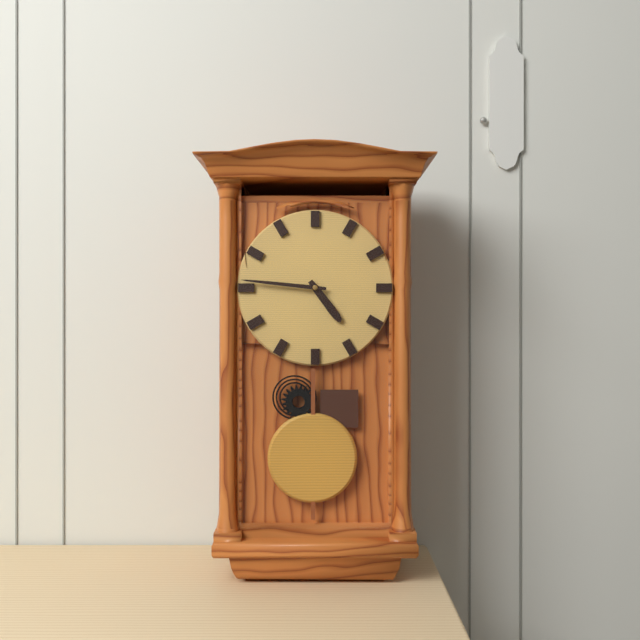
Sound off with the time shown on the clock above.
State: 4:46
